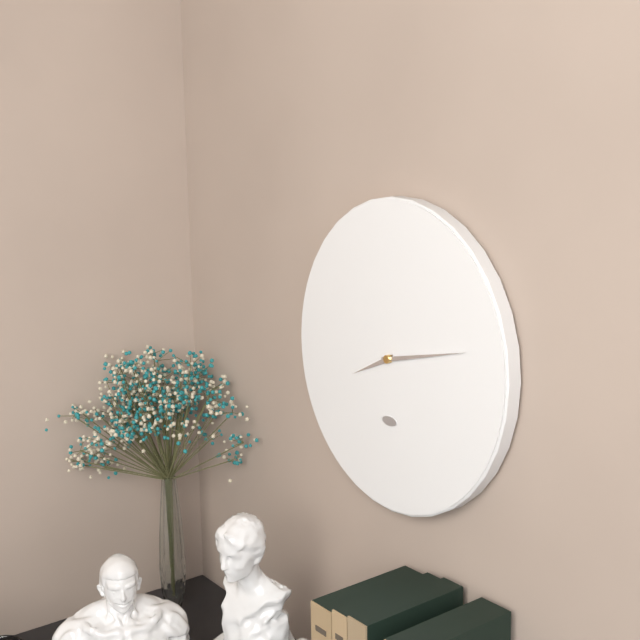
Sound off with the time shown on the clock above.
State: 8:13
